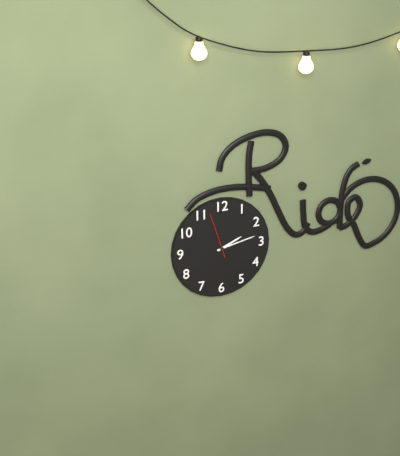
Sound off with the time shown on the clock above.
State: 2:13
